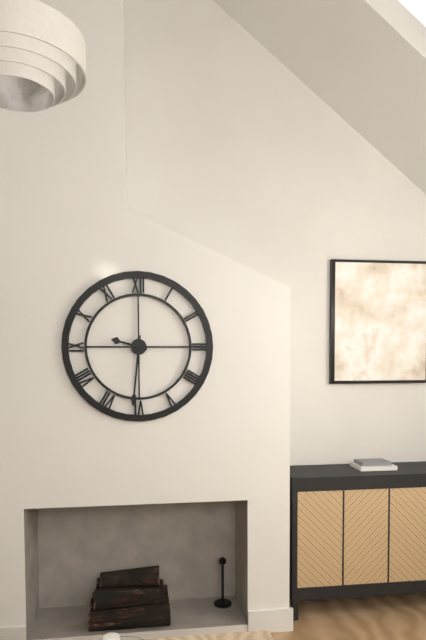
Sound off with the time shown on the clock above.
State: 9:31
